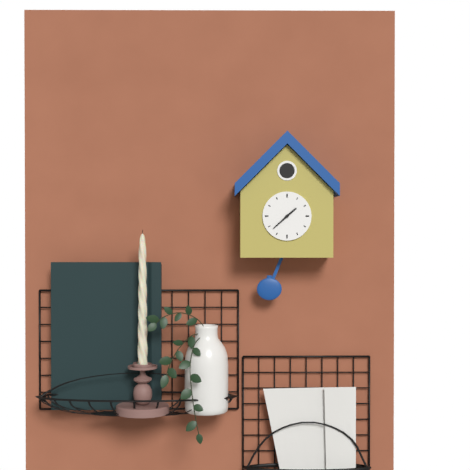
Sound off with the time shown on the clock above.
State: 1:38
